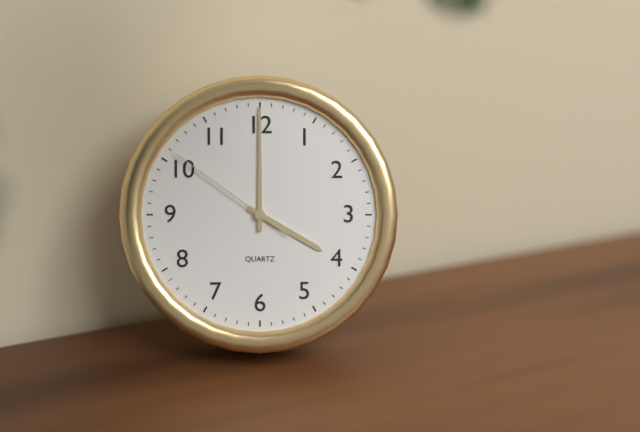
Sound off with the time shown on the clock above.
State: 4:00:51
